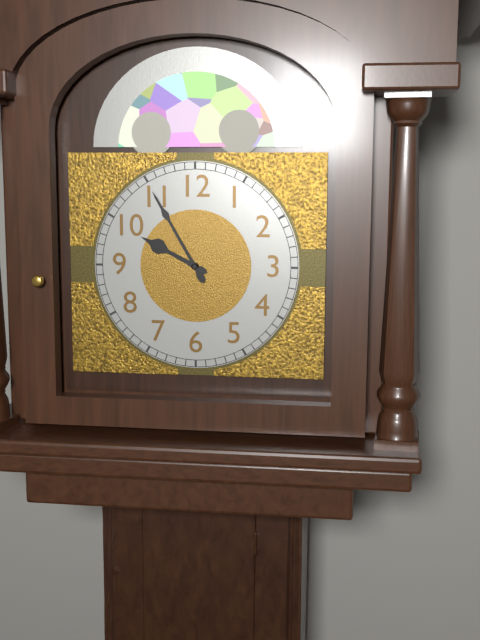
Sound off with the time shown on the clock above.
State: 9:55
